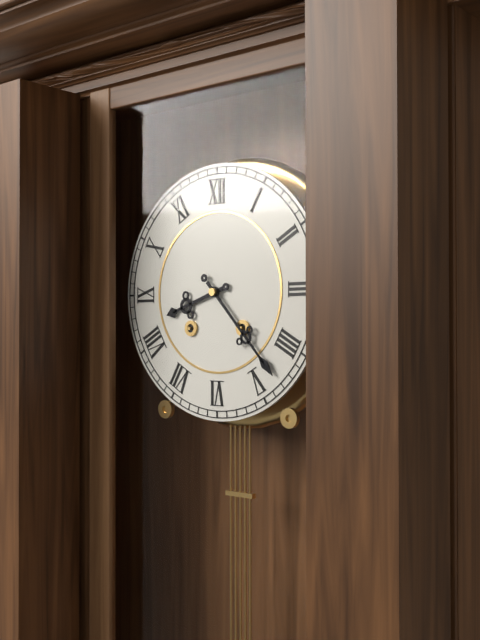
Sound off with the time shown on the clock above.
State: 8:23
